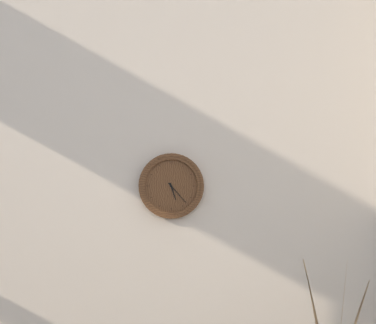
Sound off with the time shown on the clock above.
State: 5:23
